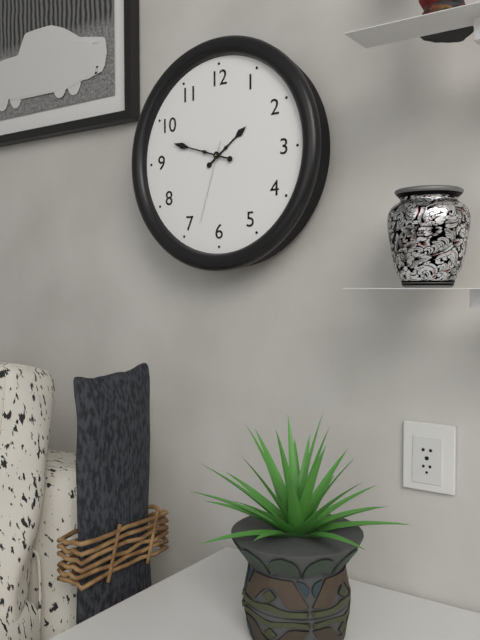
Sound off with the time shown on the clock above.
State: 1:48:33
